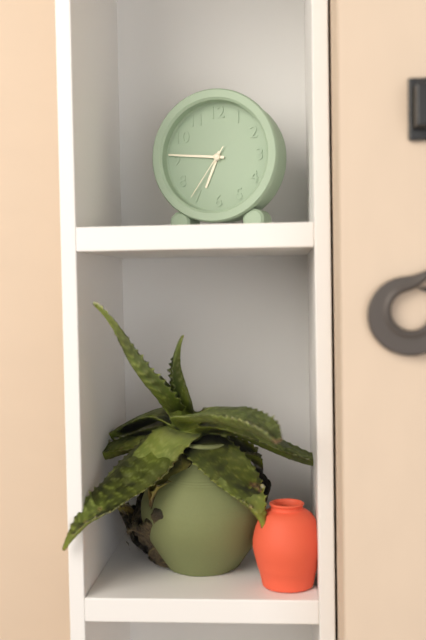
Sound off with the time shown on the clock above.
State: 6:46:36
